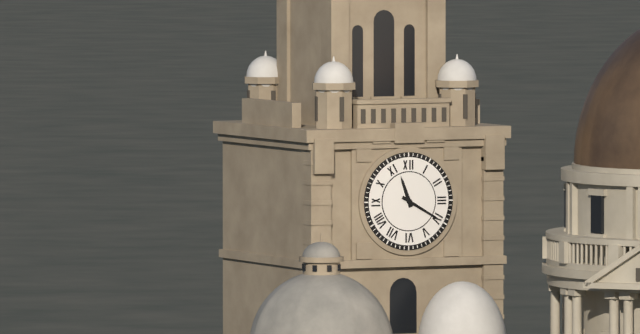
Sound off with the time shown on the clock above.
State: 11:20
